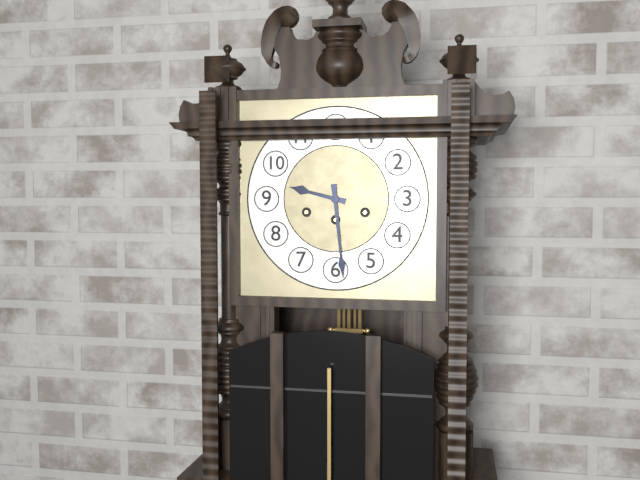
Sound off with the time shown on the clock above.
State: 9:29
